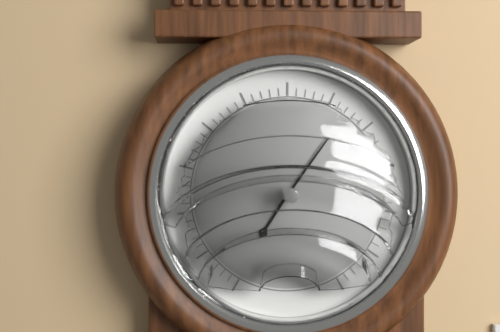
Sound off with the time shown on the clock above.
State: 7:06
